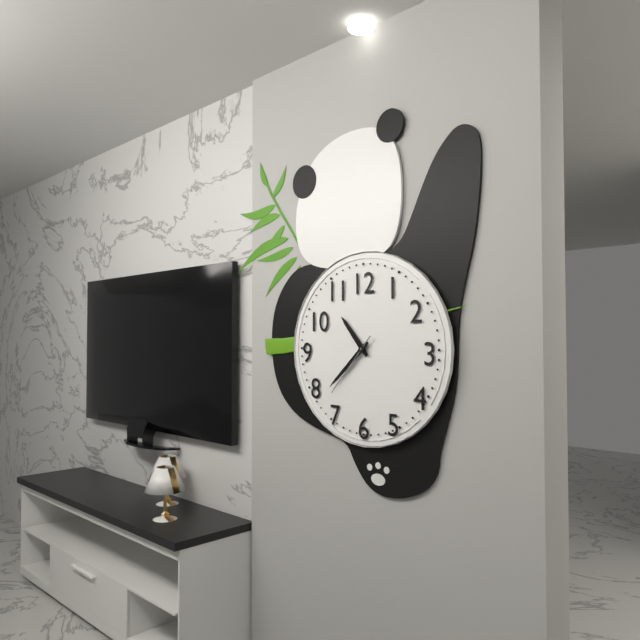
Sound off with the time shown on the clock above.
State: 10:38:37
